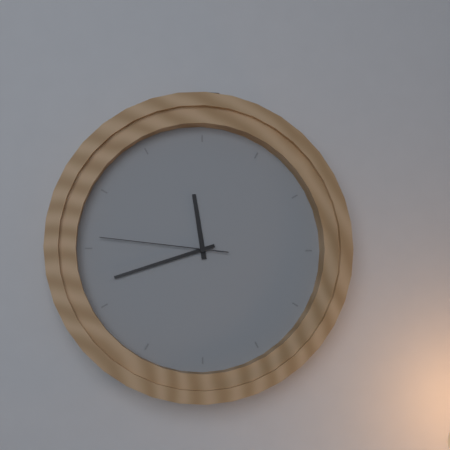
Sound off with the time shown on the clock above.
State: 11:42:46
